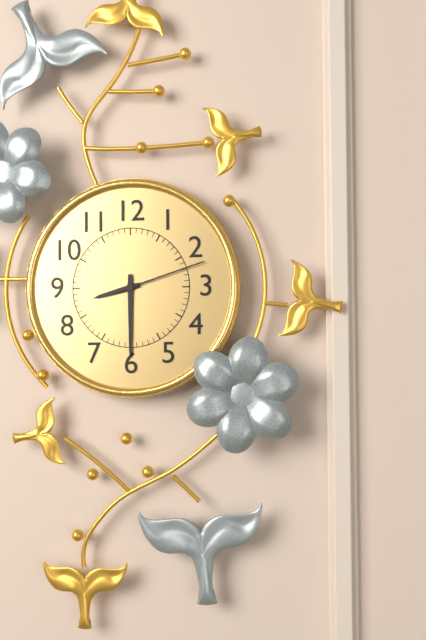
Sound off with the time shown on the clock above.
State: 8:30:12
